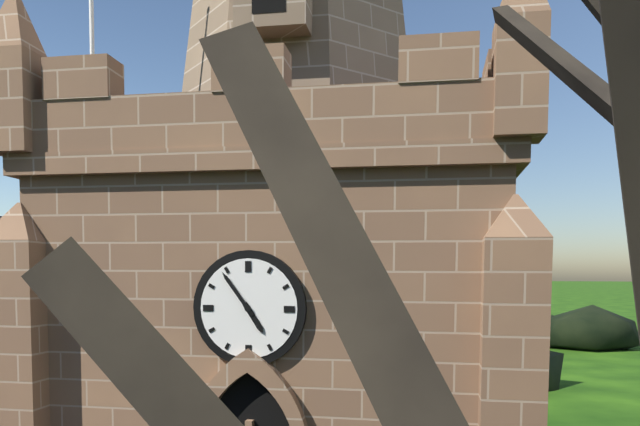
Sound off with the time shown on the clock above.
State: 4:54
